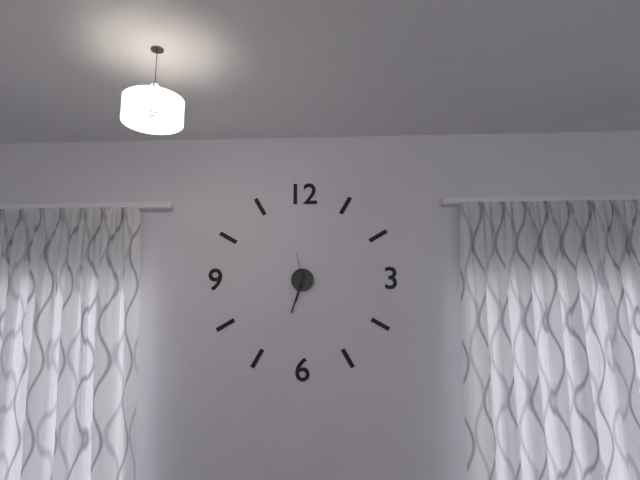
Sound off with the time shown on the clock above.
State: 6:33
